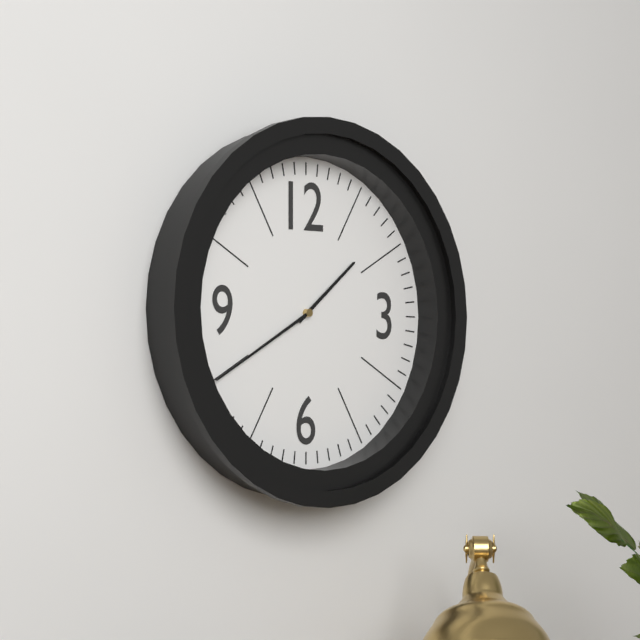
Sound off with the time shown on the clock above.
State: 1:40
